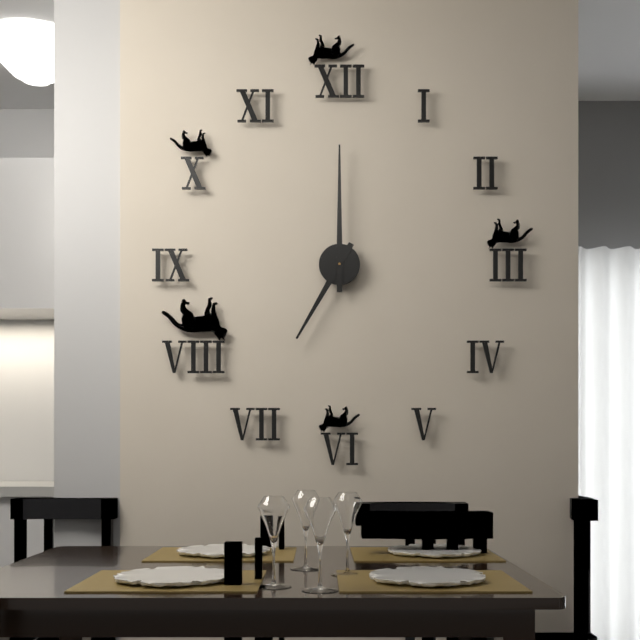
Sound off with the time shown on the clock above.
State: 7:00
